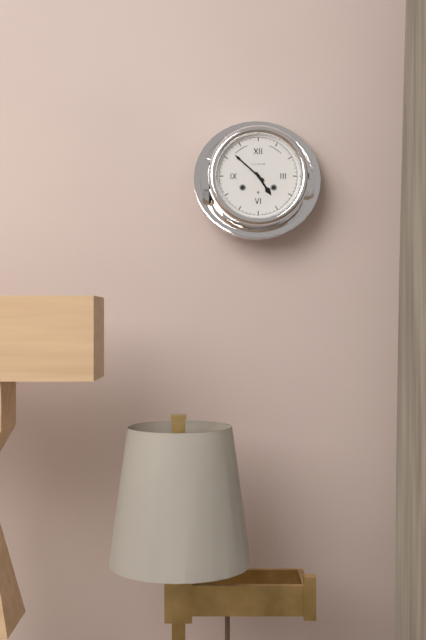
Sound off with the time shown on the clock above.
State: 4:52
